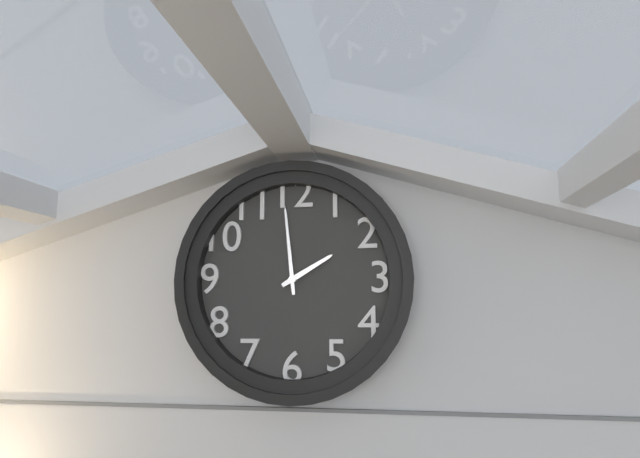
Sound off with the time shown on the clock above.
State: 1:59
